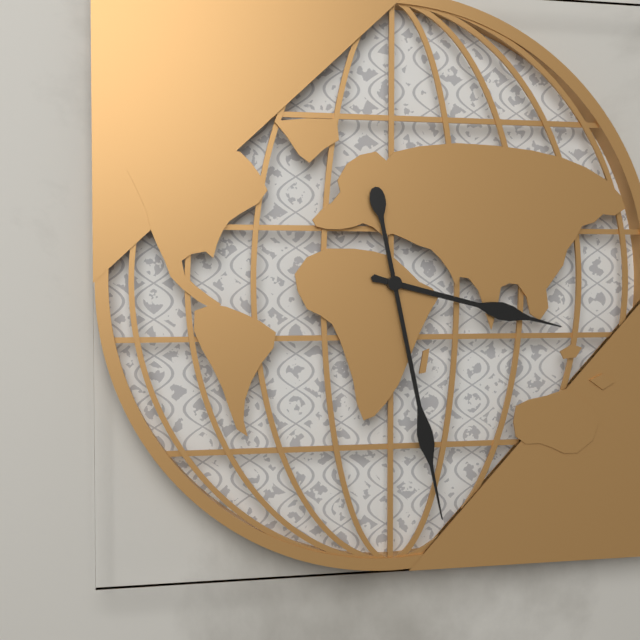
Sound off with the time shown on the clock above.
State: 3:28
